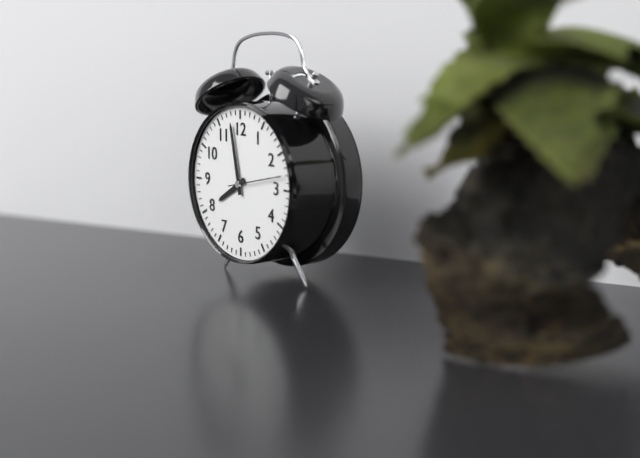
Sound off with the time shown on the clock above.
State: 7:58:13
